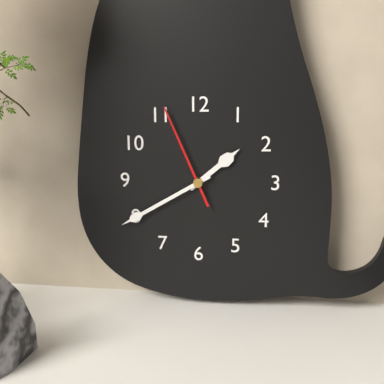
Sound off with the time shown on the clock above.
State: 1:40:56
